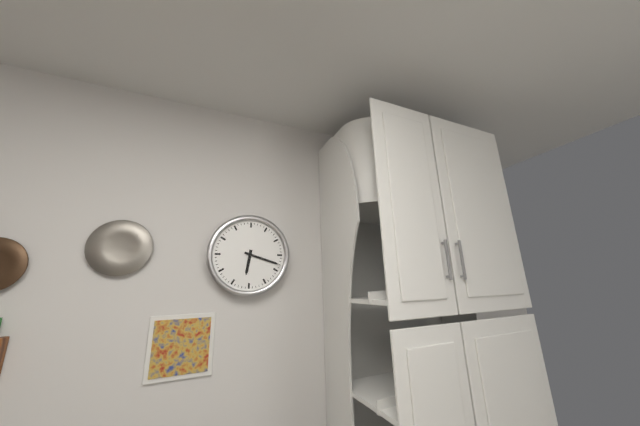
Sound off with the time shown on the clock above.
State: 6:18
